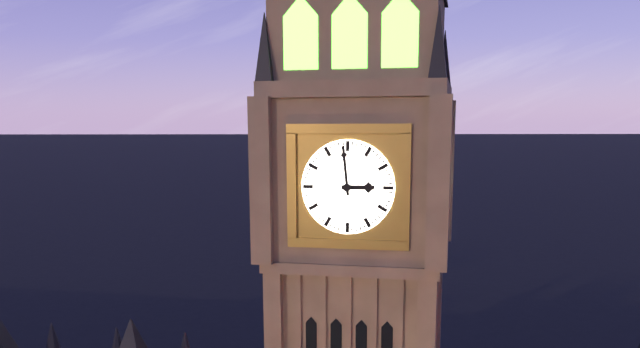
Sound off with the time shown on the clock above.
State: 2:59
